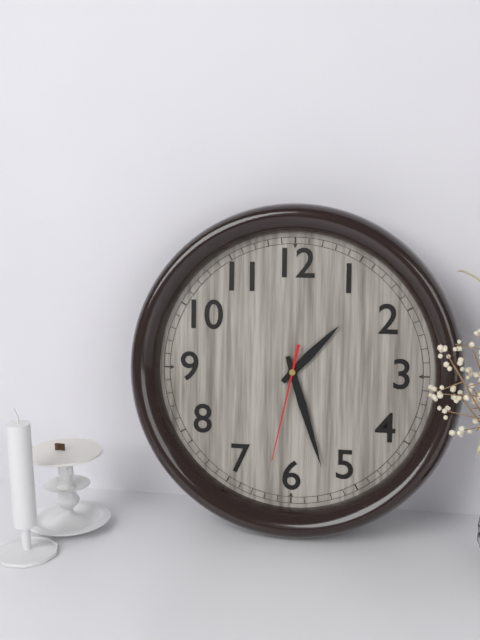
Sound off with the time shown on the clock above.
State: 1:27:32
